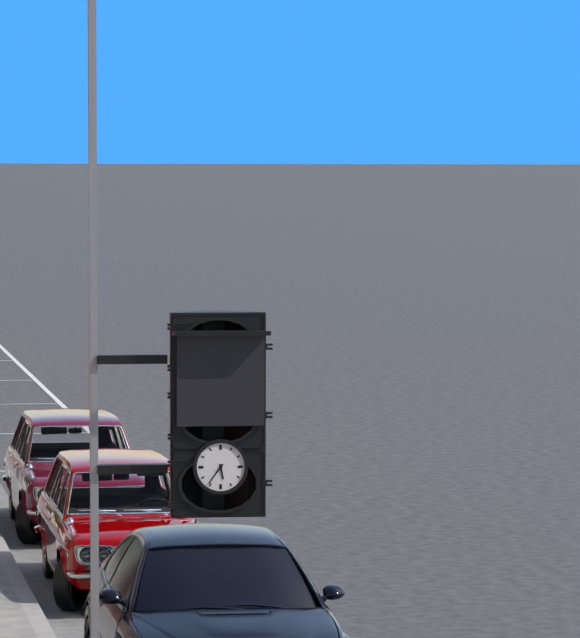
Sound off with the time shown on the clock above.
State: 5:36
